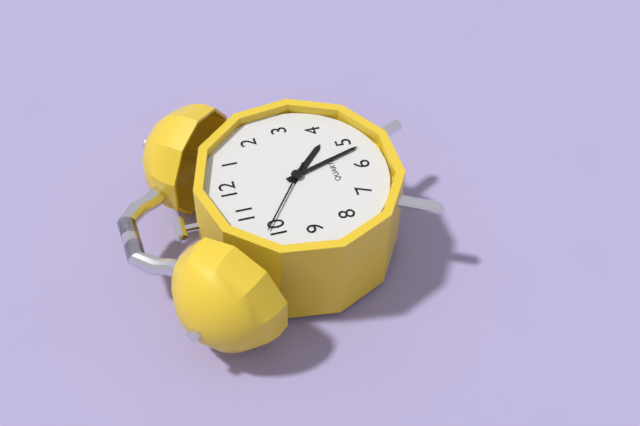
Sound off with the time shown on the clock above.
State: 4:27:51
